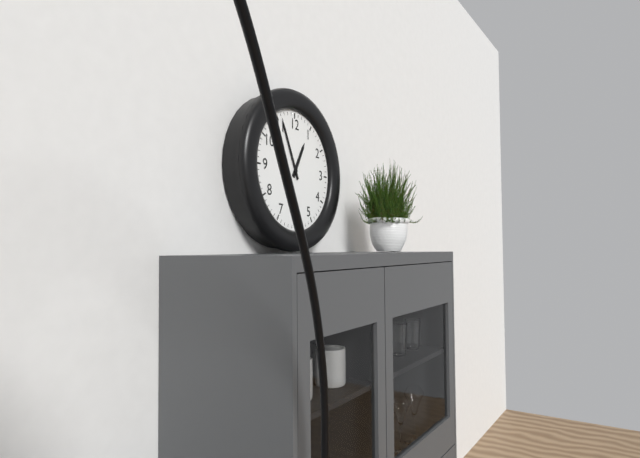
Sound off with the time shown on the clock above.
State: 12:56
